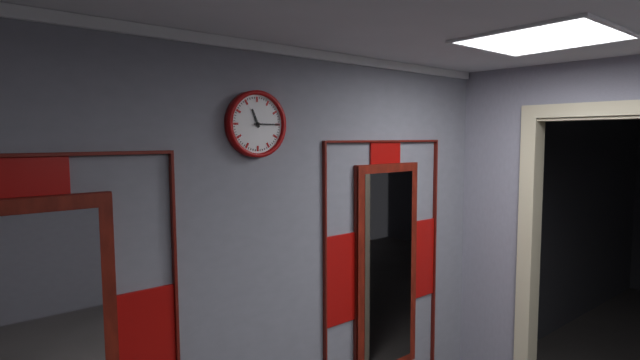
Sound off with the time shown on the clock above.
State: 11:15
